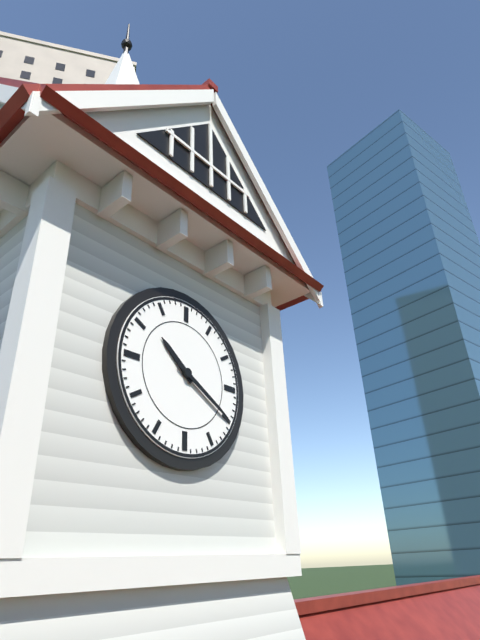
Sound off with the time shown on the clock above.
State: 10:20
